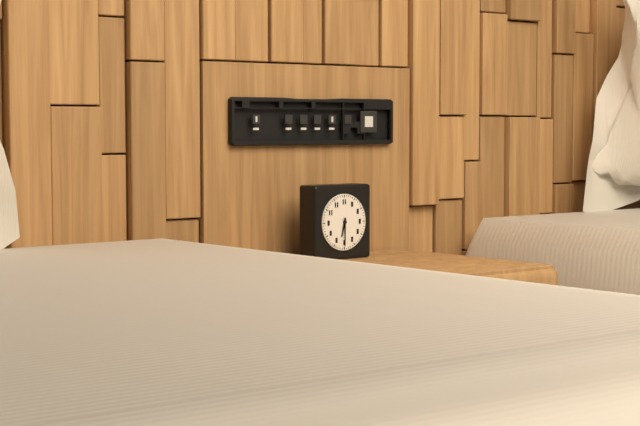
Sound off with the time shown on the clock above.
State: 6:30
